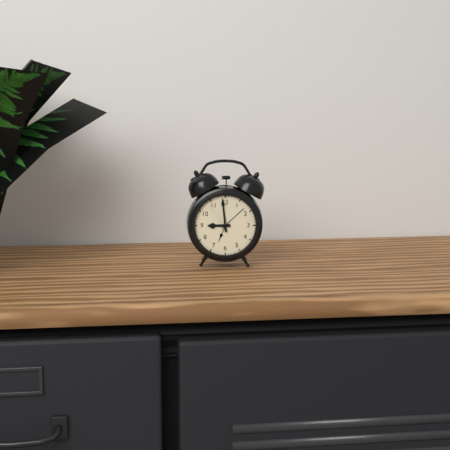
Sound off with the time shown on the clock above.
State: 8:59
